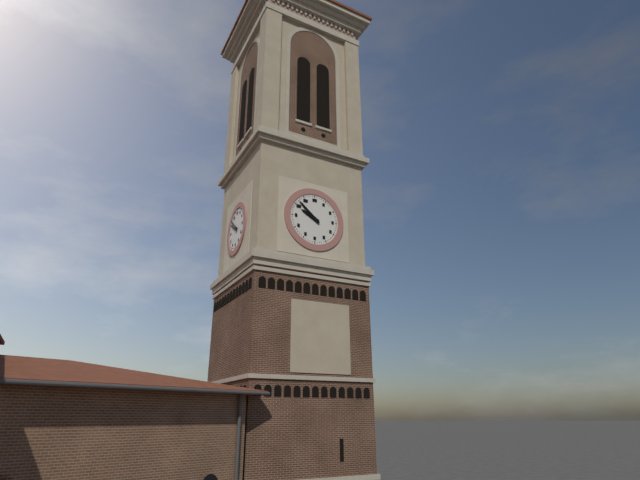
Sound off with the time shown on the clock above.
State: 9:52
